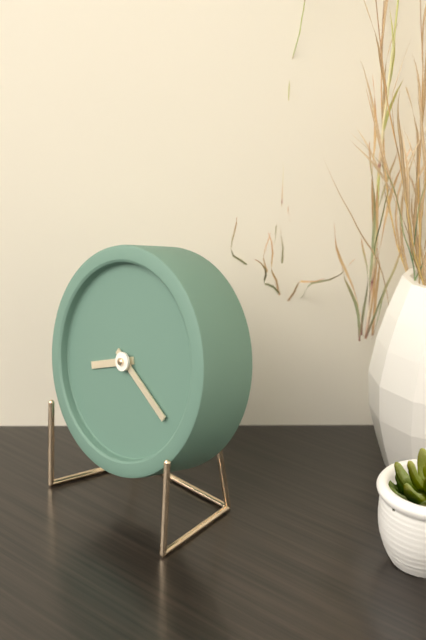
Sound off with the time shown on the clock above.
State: 8:20
